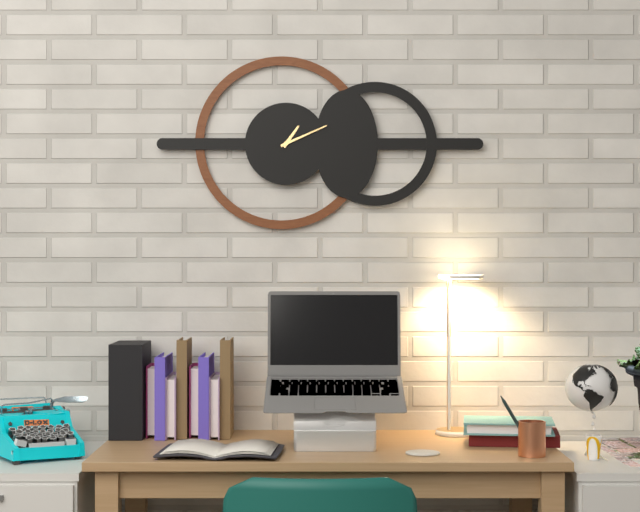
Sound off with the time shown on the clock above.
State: 1:11
